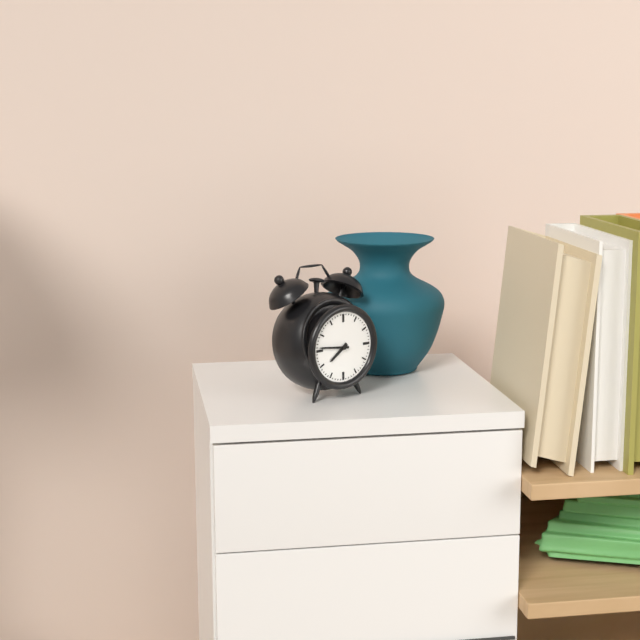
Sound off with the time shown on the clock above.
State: 7:46
